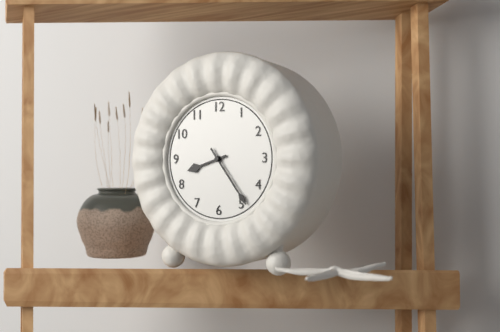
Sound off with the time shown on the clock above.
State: 8:24
